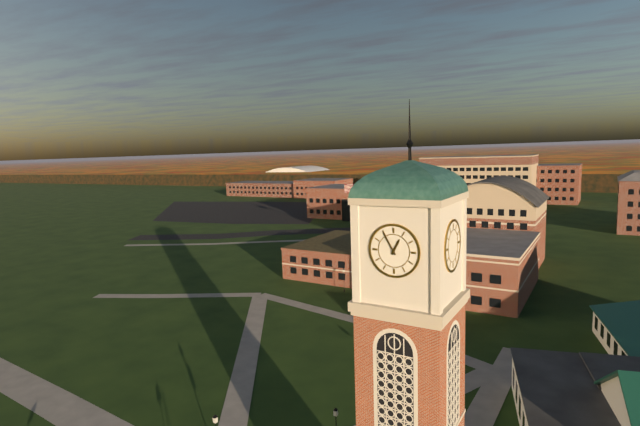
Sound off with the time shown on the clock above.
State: 12:55
